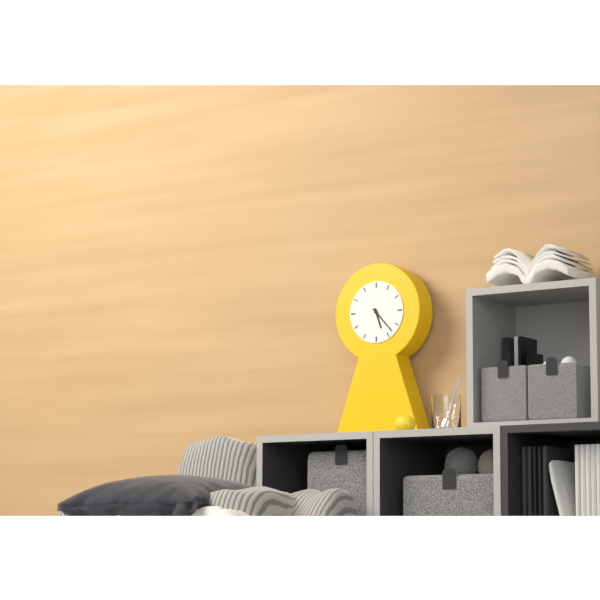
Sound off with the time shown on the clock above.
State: 5:23
